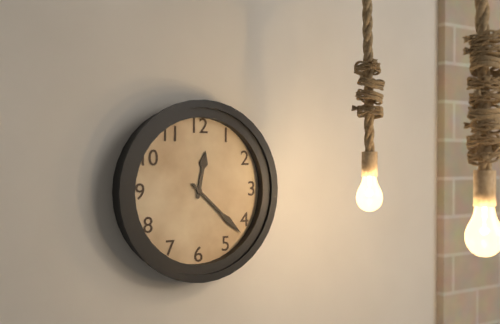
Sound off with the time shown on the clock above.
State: 12:22
